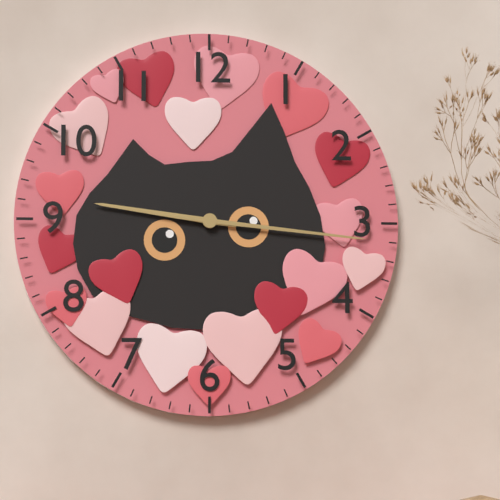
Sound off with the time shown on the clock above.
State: 9:16
